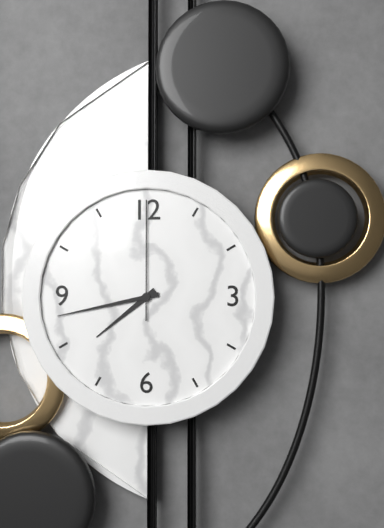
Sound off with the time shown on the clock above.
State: 7:43:00
